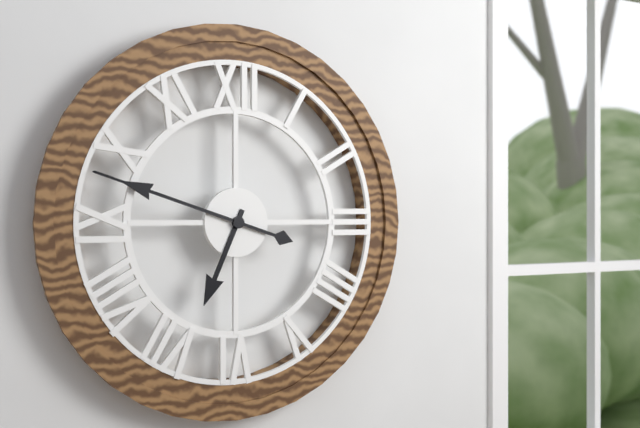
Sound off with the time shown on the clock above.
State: 6:48
